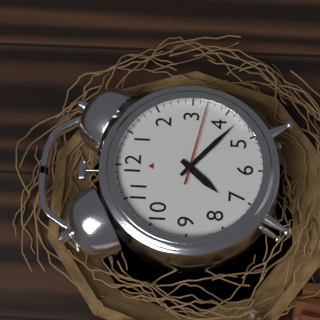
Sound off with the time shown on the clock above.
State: 7:22:17
